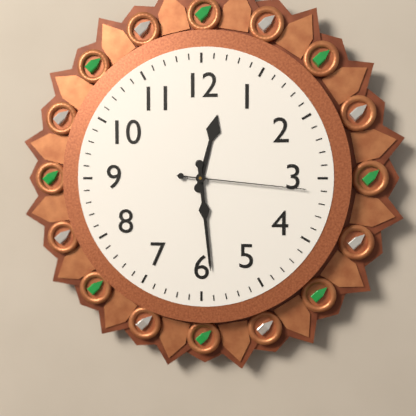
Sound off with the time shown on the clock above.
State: 12:29:16
